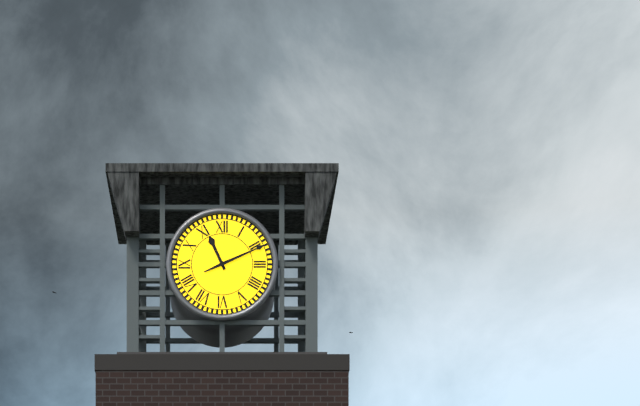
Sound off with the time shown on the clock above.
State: 11:11
